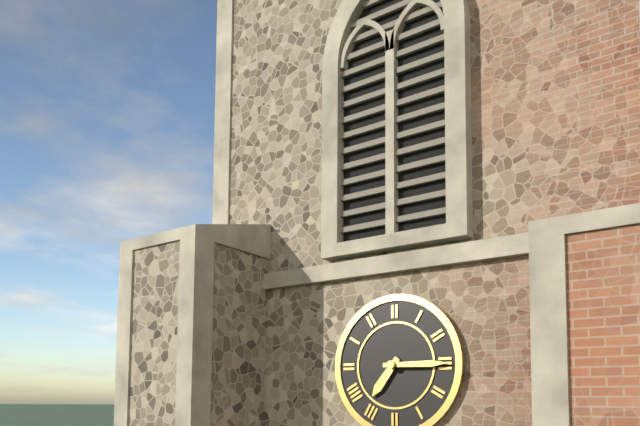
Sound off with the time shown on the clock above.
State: 7:15
